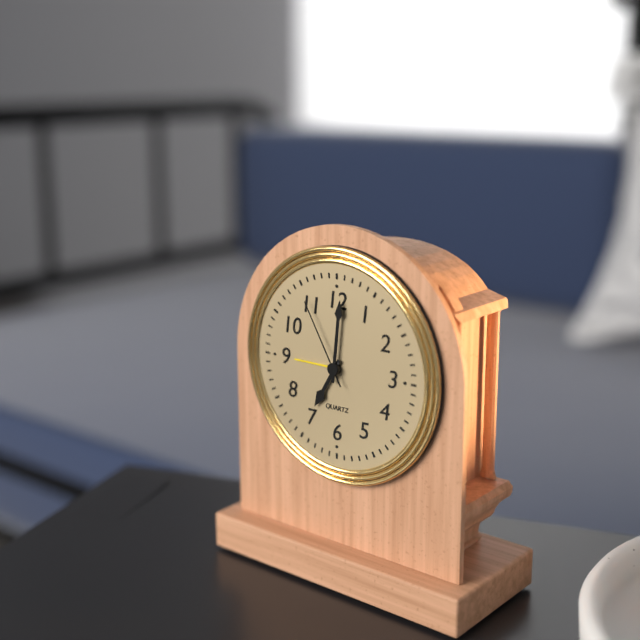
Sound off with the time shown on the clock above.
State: 7:01:55
